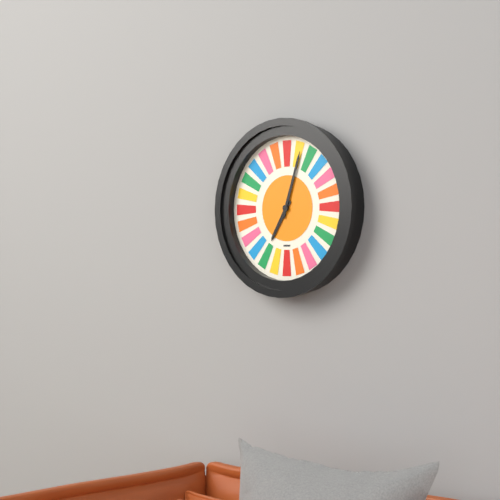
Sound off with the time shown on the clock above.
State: 7:03
